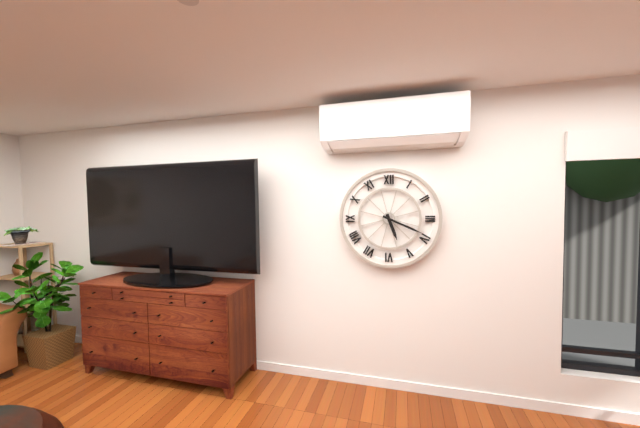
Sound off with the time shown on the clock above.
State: 5:19
